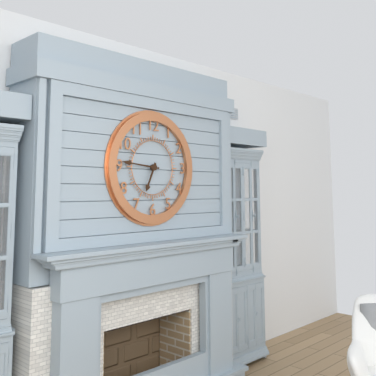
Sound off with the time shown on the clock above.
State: 6:46
